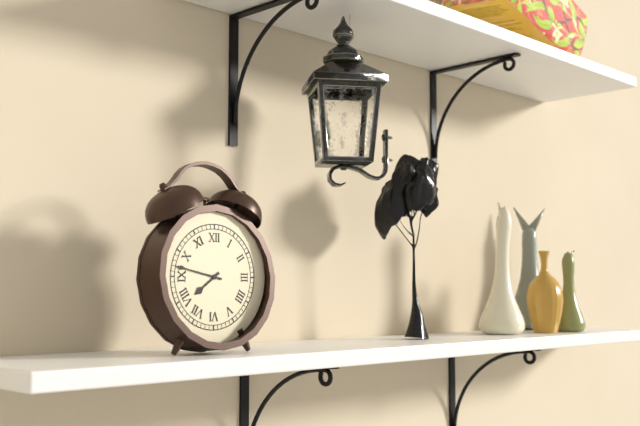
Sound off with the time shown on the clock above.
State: 7:47
